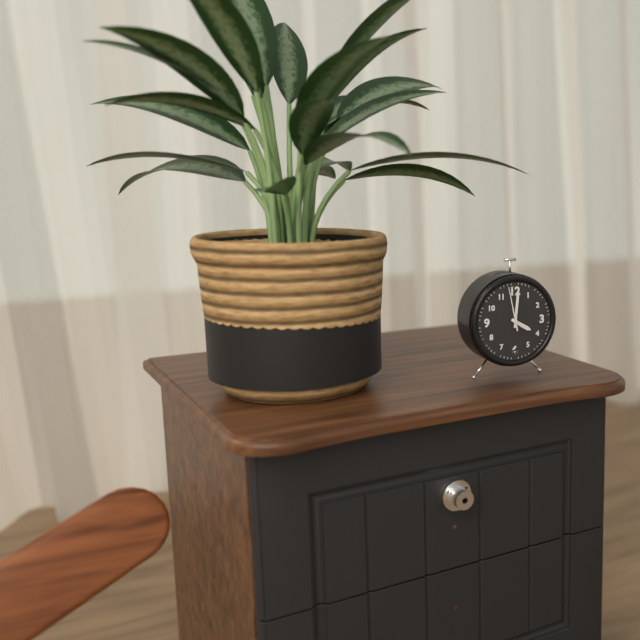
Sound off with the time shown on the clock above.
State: 4:01
